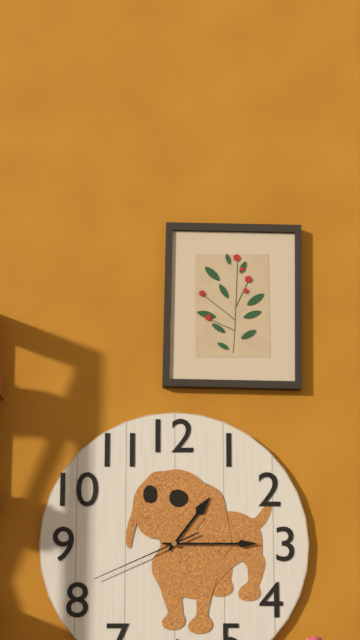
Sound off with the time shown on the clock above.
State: 1:15:41
